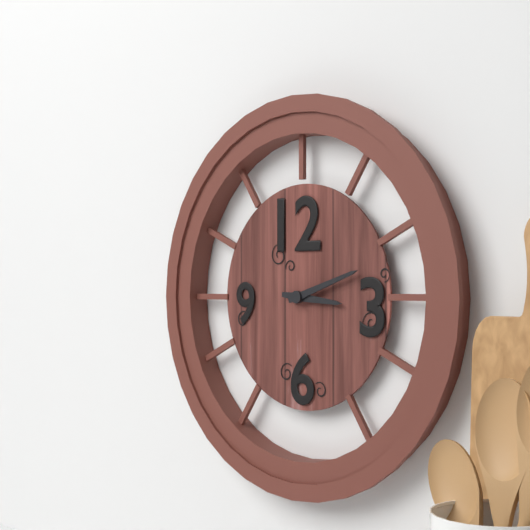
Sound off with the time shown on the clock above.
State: 3:12
